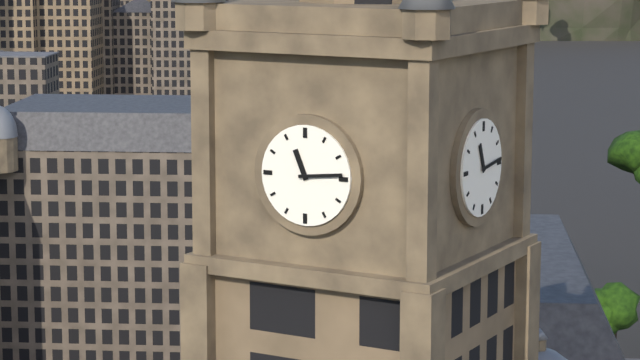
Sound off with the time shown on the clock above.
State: 11:14
